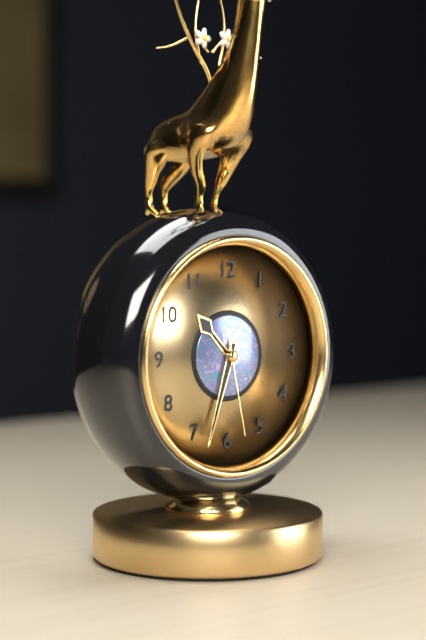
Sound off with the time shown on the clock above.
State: 10:33:28
